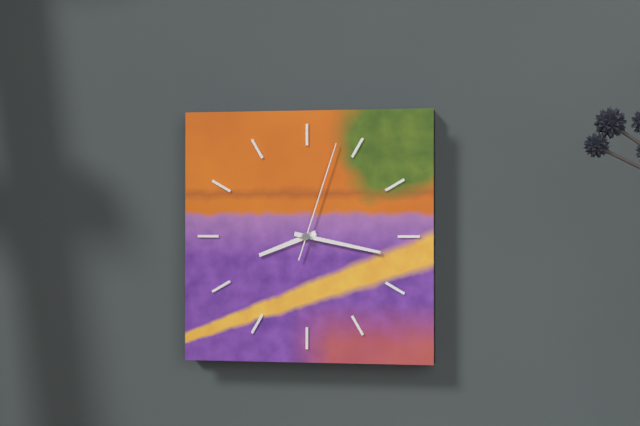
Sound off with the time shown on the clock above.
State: 8:17:03
